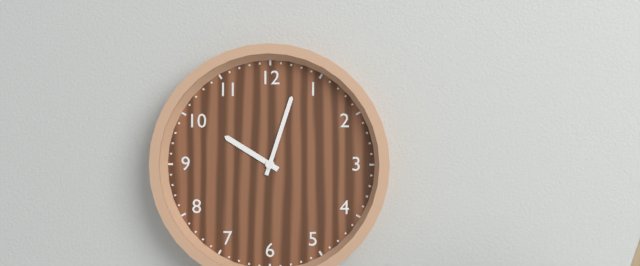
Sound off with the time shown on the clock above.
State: 10:03
